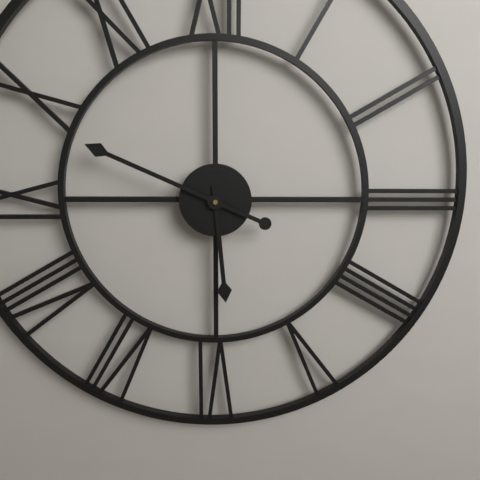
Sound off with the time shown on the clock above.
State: 5:49
